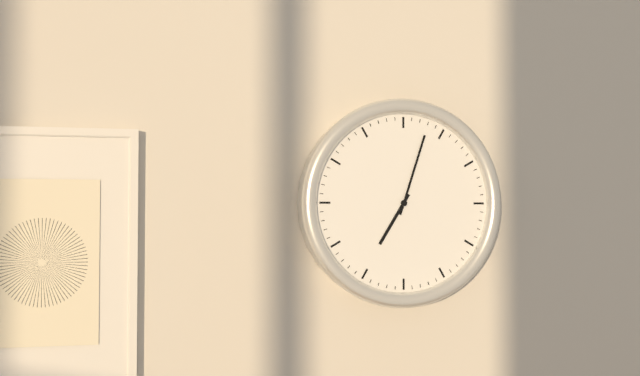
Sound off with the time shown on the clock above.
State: 7:03
